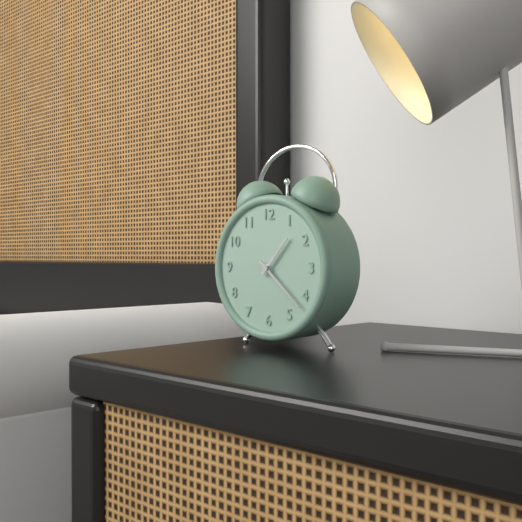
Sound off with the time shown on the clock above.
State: 1:22
